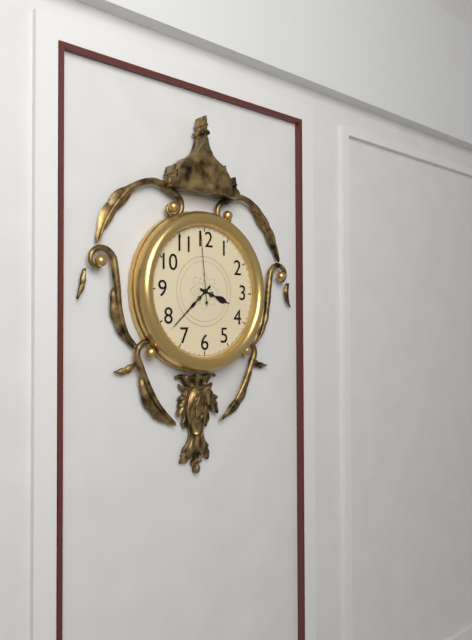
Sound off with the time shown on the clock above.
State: 3:38:59
